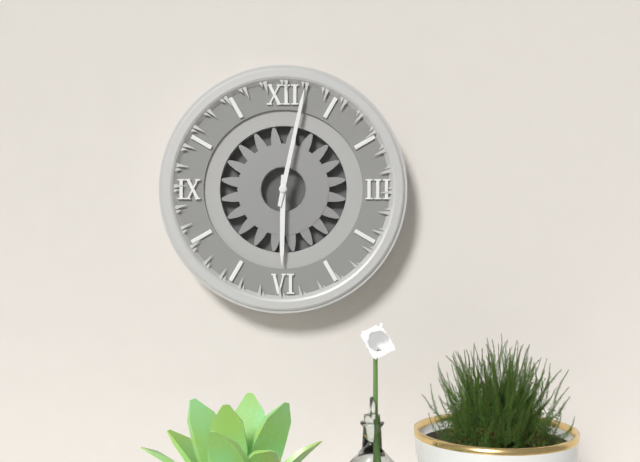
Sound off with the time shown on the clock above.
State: 6:02
